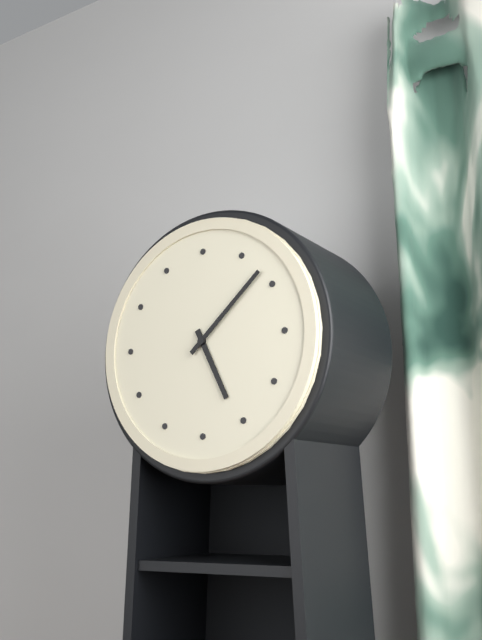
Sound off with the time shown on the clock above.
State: 5:08
